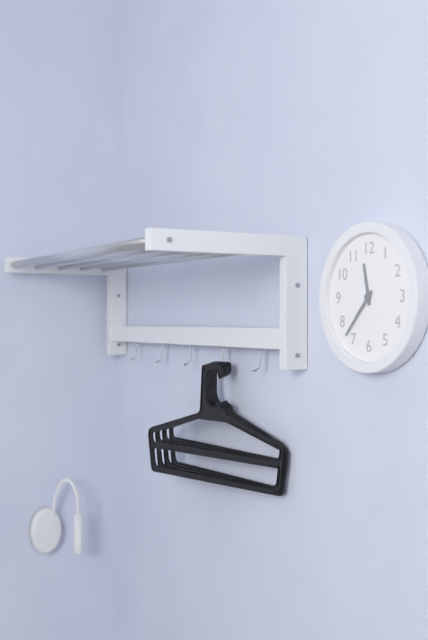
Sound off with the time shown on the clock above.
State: 11:37
